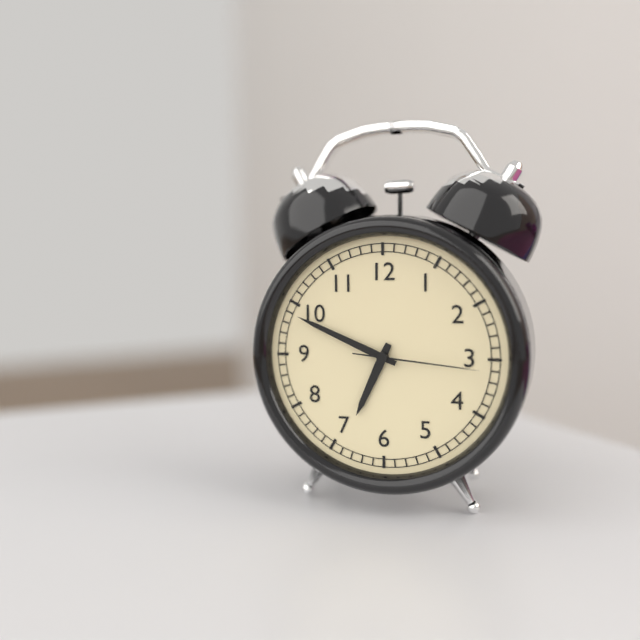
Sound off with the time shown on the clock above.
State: 6:49:16
